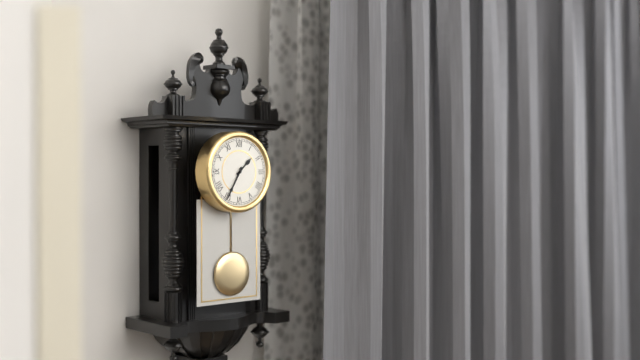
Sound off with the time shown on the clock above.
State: 1:35
